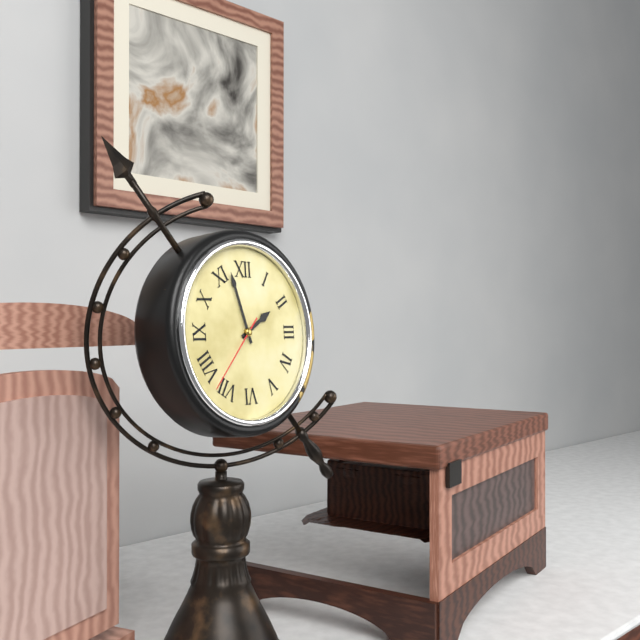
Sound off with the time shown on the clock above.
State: 1:57:37
